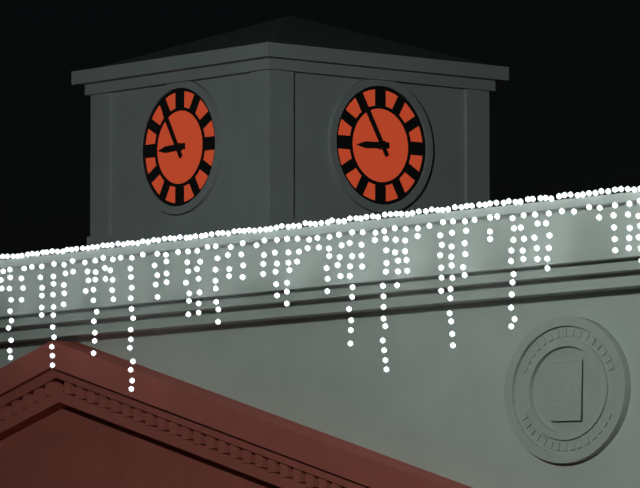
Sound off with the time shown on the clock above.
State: 8:55
